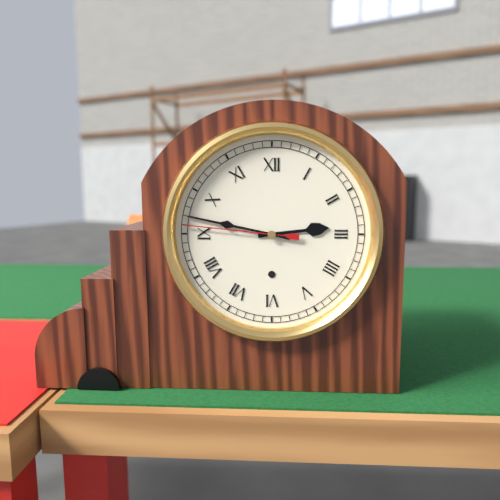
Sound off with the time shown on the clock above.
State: 2:47:46
